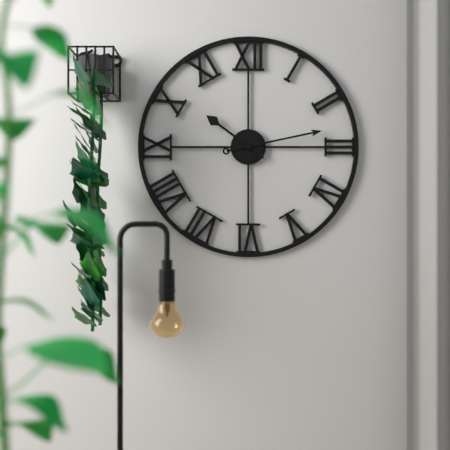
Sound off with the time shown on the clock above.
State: 10:13
